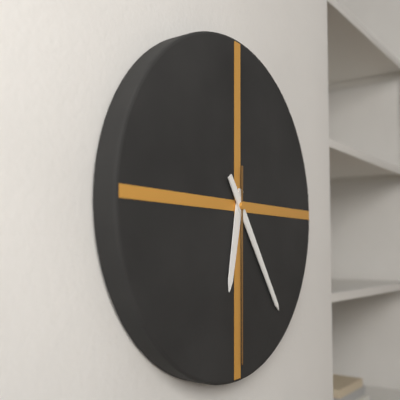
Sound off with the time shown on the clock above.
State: 6:24:30
